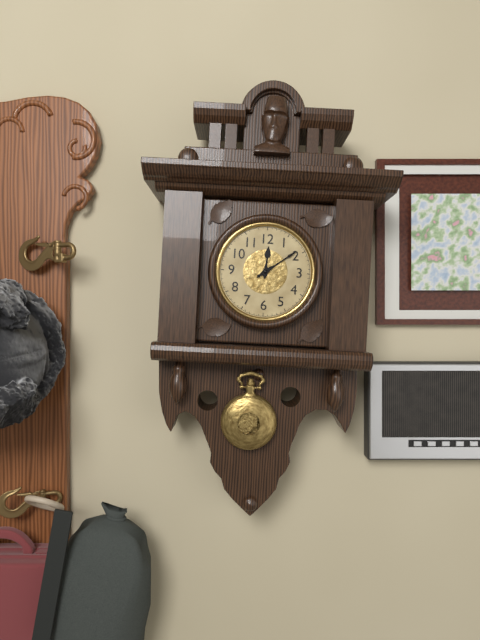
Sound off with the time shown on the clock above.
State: 12:09
